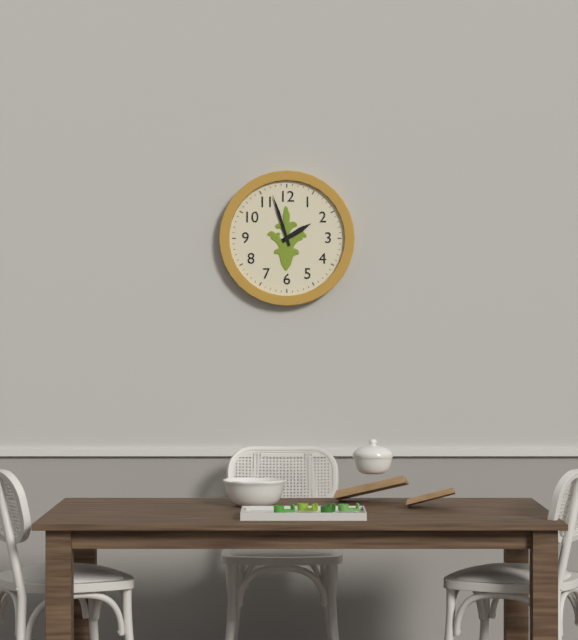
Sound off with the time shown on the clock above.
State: 1:57
